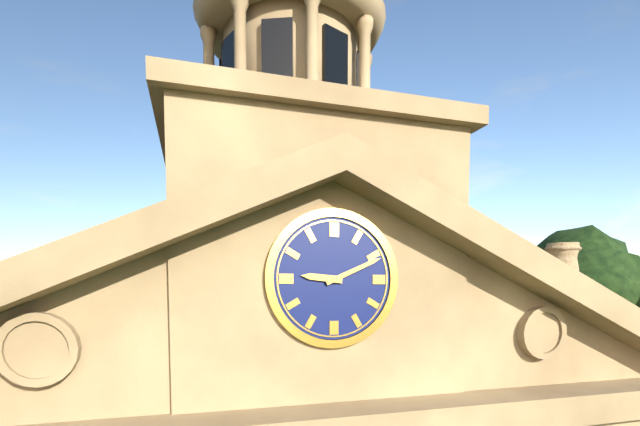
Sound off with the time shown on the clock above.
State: 9:11
